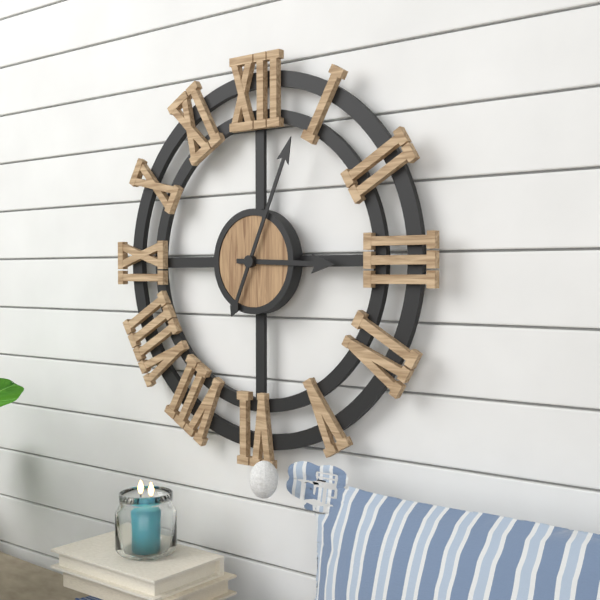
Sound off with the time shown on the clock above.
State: 3:04
